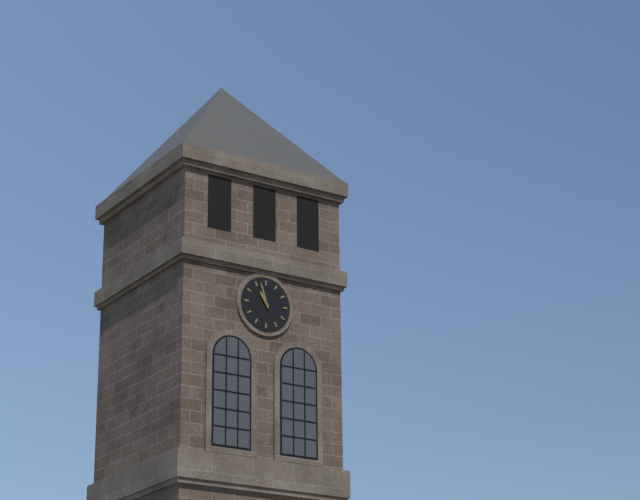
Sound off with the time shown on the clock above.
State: 10:57
